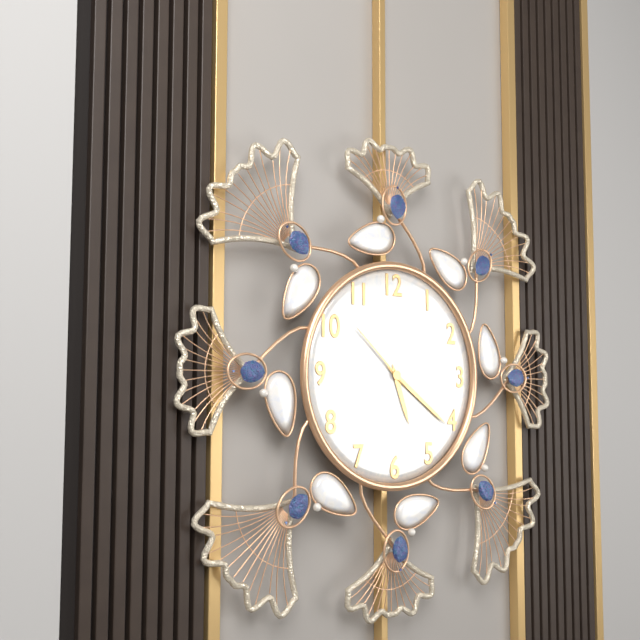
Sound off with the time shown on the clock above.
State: 5:21:52
